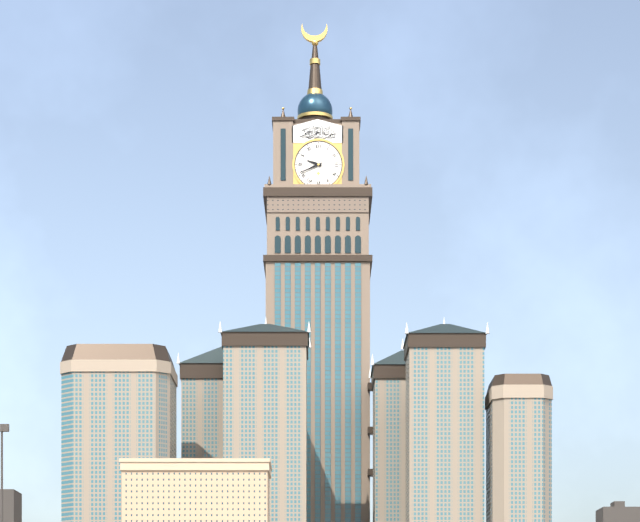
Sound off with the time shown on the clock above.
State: 9:41
